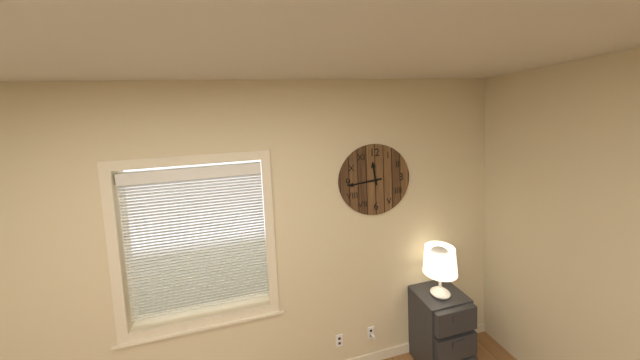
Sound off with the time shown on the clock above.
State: 11:44
